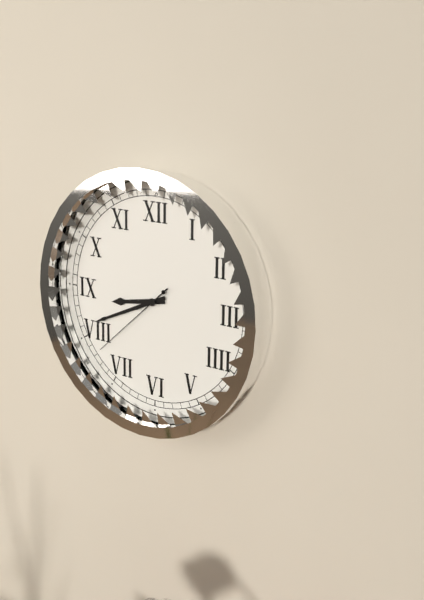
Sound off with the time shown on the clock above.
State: 8:41:38
